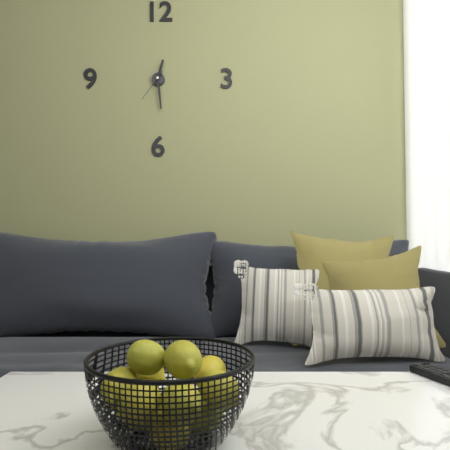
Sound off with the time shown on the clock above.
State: 12:29
